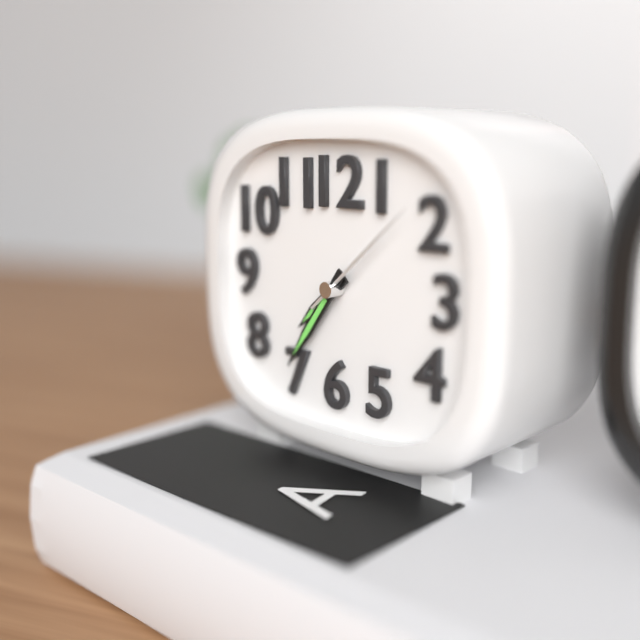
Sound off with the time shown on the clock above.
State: 7:36:08
